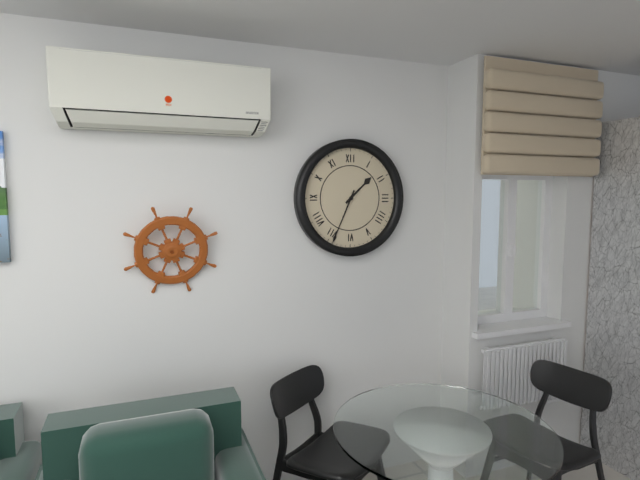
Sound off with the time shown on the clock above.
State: 1:34
